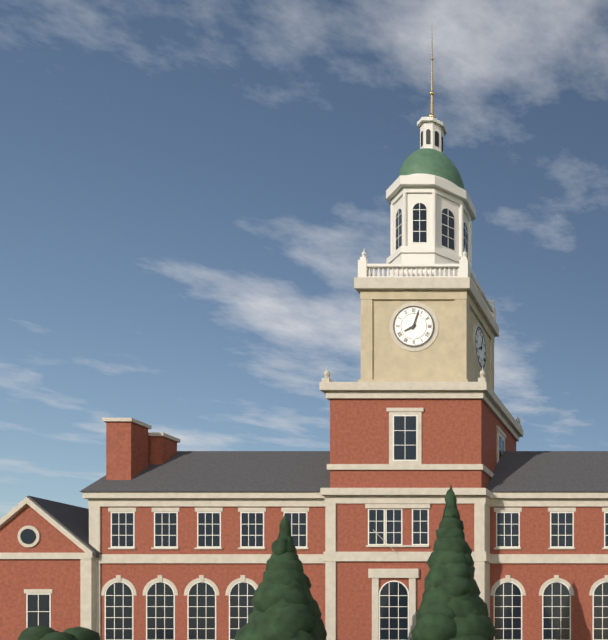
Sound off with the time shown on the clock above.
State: 8:03
